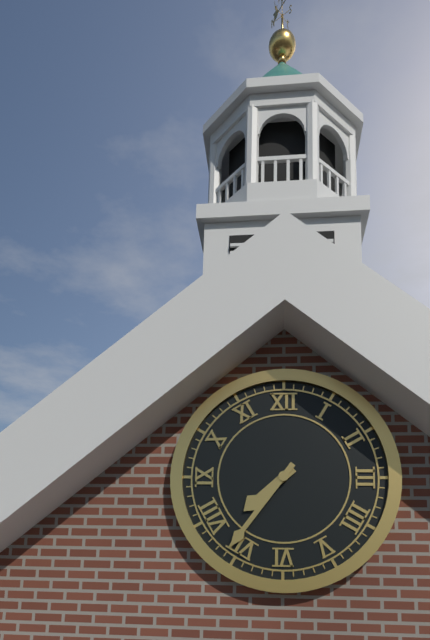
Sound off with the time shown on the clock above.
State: 7:36
